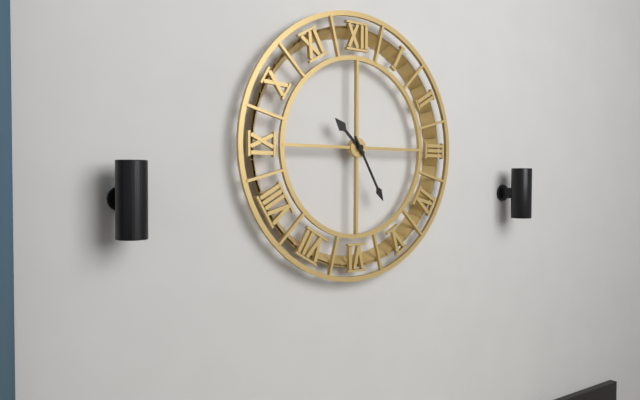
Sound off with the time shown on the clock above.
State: 10:25
